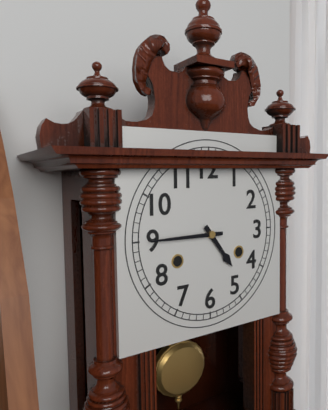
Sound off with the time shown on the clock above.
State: 4:45
